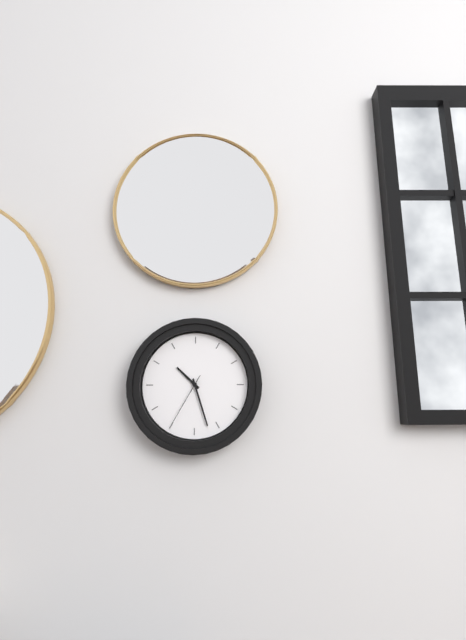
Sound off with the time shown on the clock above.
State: 10:27:35
